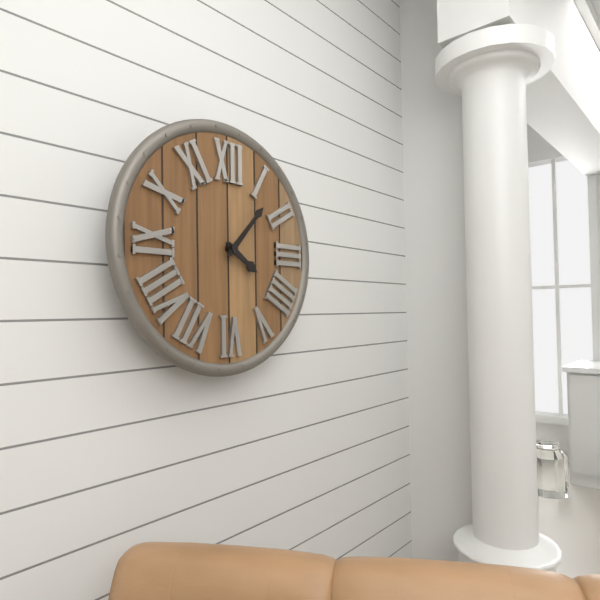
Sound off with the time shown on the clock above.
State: 4:07
